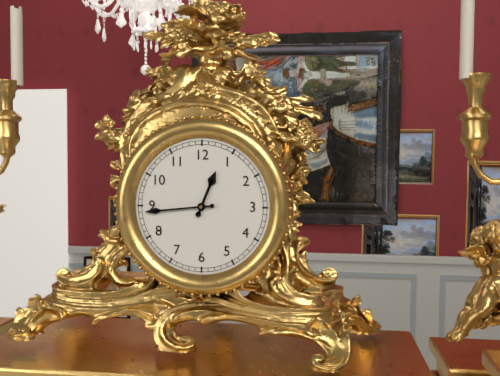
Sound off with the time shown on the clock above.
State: 12:44
